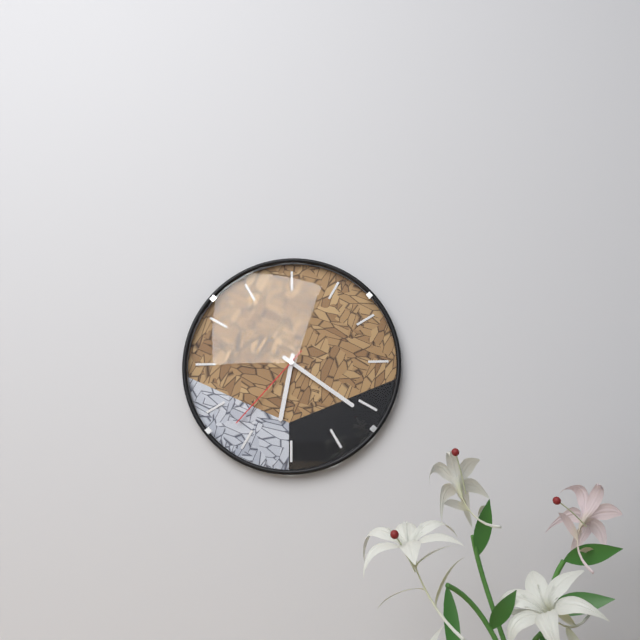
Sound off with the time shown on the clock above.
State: 6:21:37
